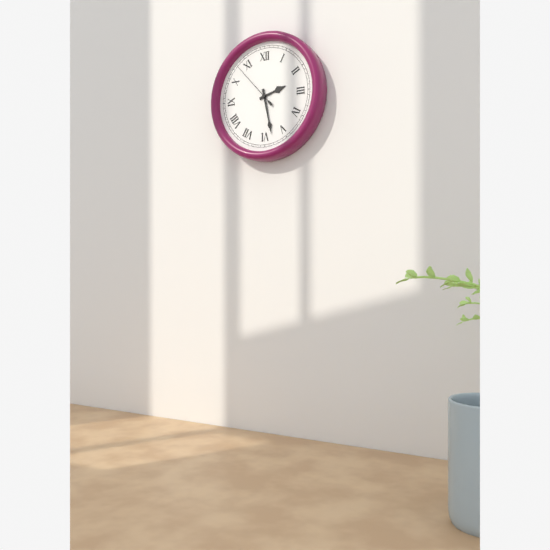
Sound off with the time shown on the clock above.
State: 2:28
